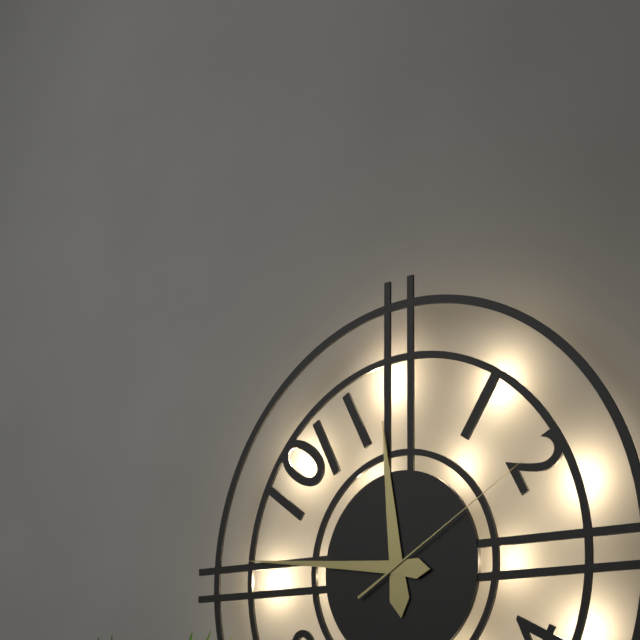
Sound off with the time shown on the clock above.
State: 11:46:10
